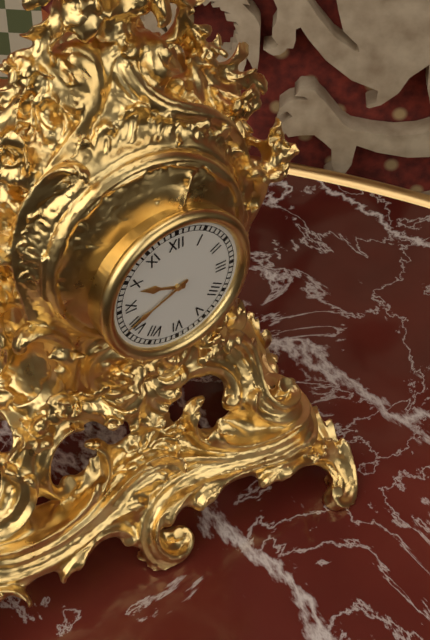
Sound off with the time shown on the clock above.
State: 9:41
